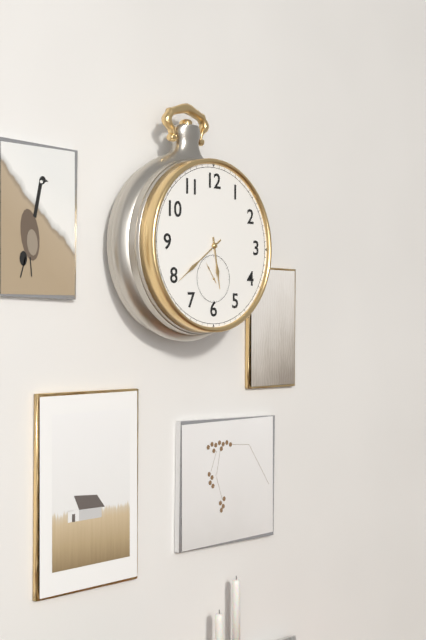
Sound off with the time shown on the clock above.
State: 5:39
